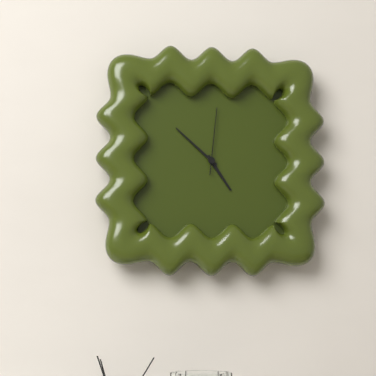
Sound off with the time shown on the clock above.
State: 4:52:01
